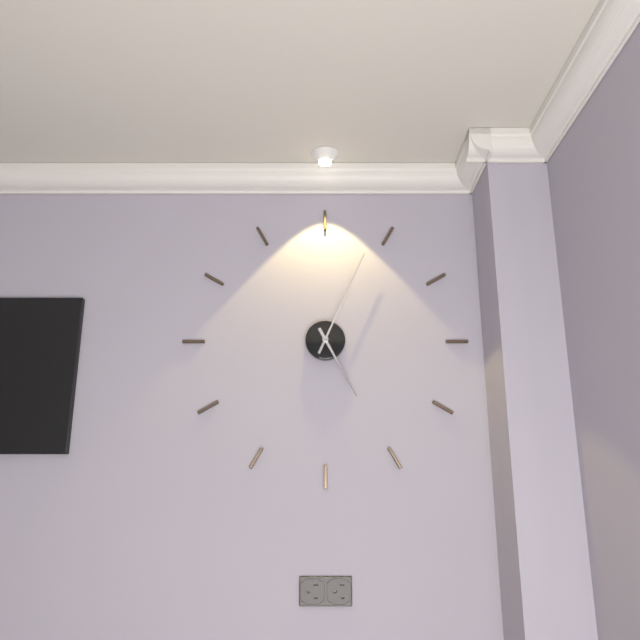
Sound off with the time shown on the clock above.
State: 5:04
